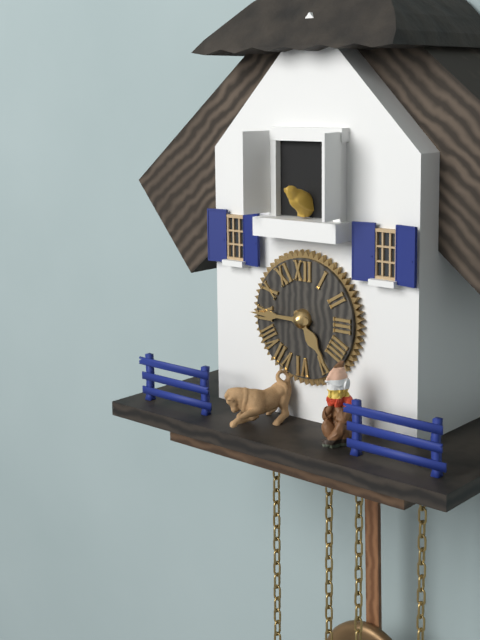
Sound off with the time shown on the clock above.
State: 4:45
